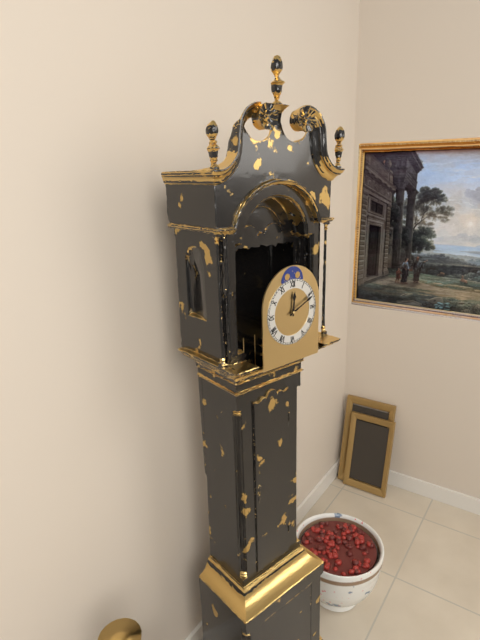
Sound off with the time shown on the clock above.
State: 12:11
